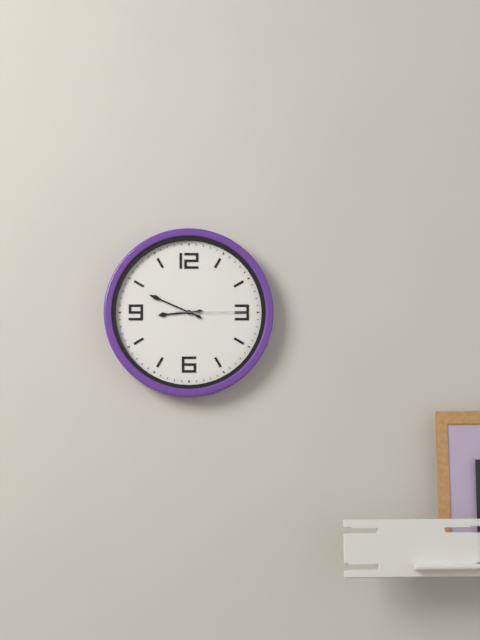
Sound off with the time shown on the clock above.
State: 8:49:15
